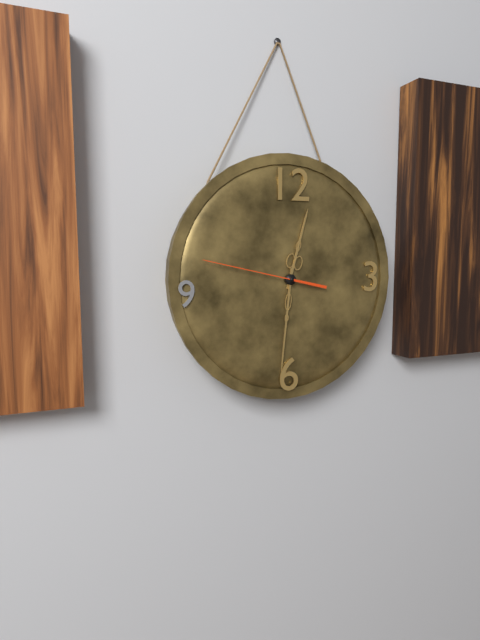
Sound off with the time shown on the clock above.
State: 12:31:47
